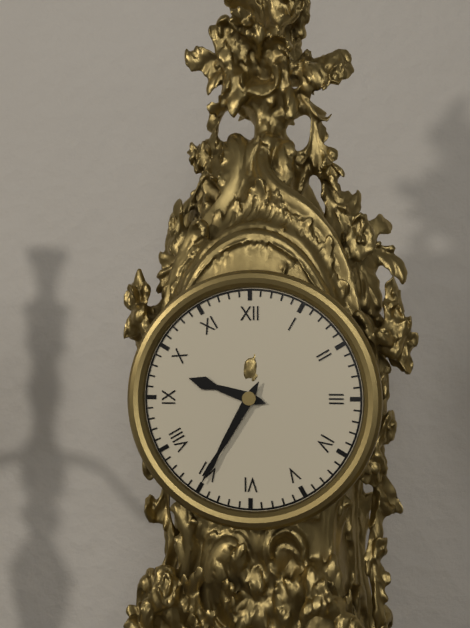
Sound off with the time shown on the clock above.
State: 9:35
